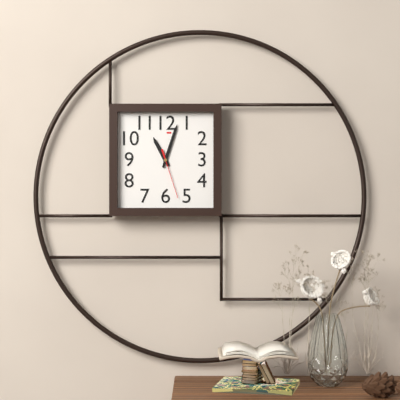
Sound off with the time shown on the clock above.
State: 11:03
